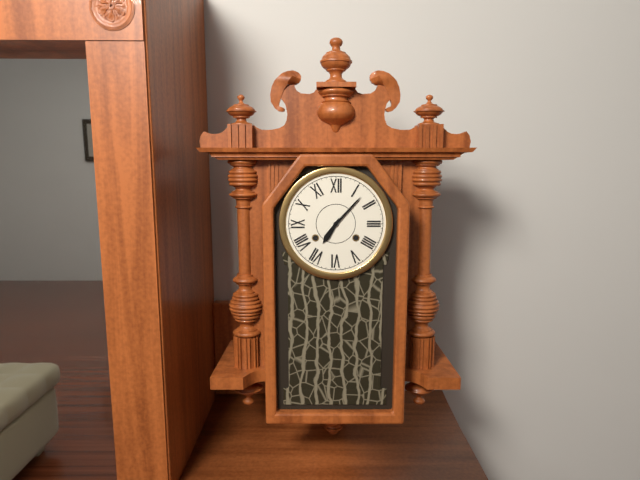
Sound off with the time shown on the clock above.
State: 7:07
